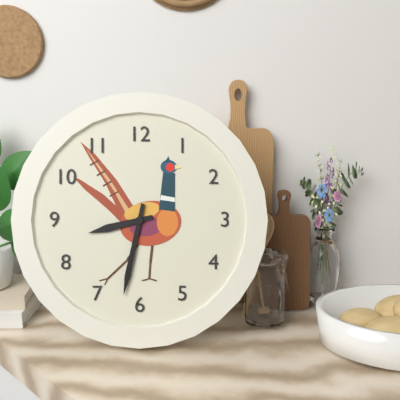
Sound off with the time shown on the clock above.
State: 8:32
